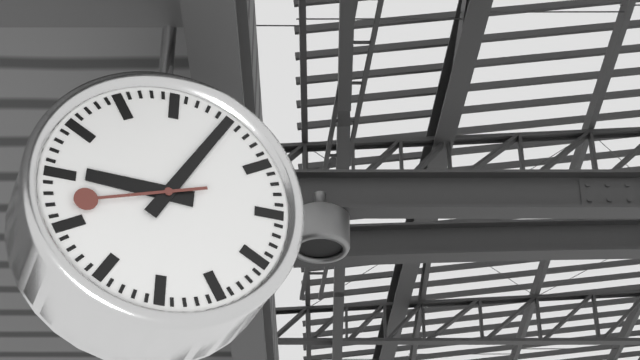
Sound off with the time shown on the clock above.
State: 9:05:42
